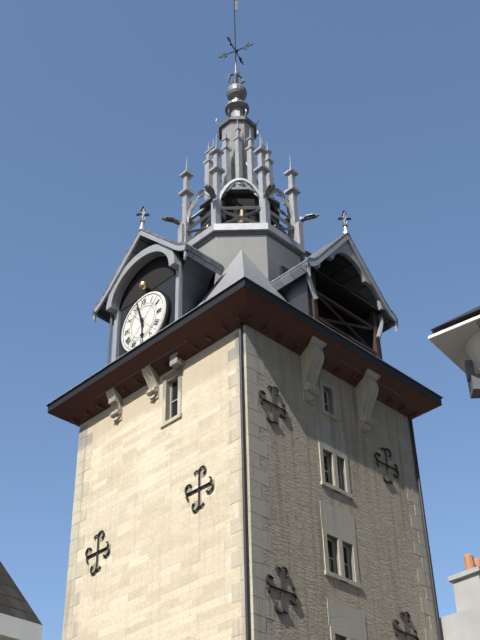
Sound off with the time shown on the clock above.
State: 5:57
